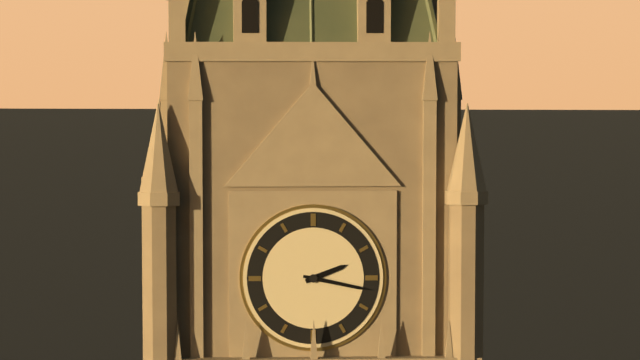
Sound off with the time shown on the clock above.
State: 2:17
